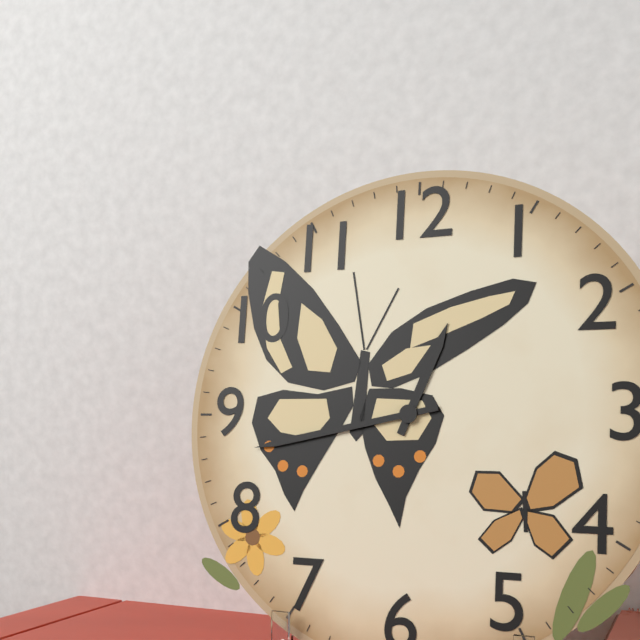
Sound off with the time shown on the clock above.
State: 12:43
